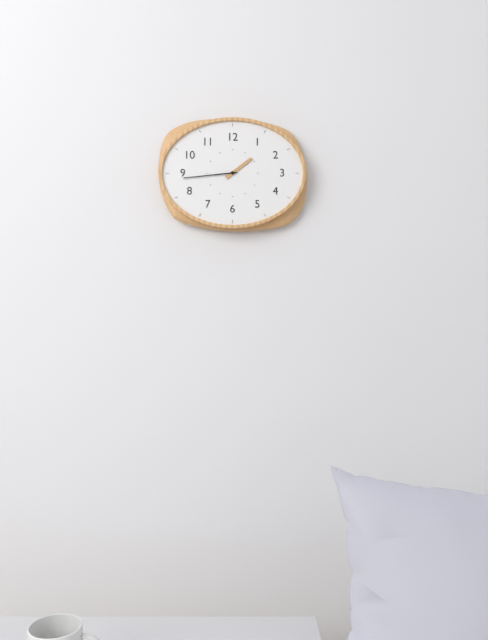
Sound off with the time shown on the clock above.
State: 1:44
